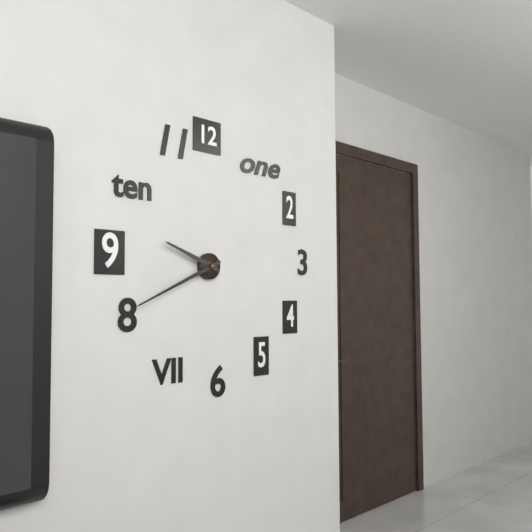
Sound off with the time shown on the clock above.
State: 9:41
